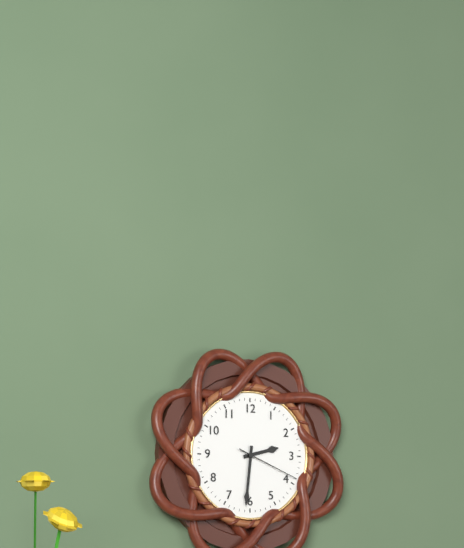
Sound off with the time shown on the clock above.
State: 2:31:19
